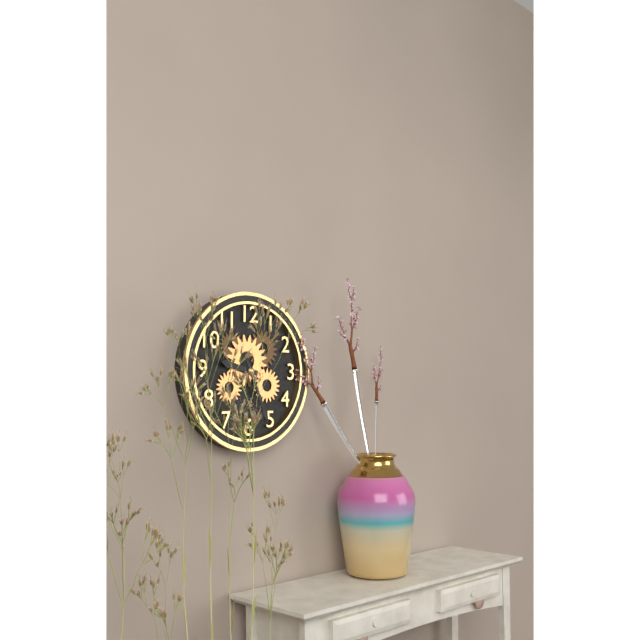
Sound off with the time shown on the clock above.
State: 9:26
